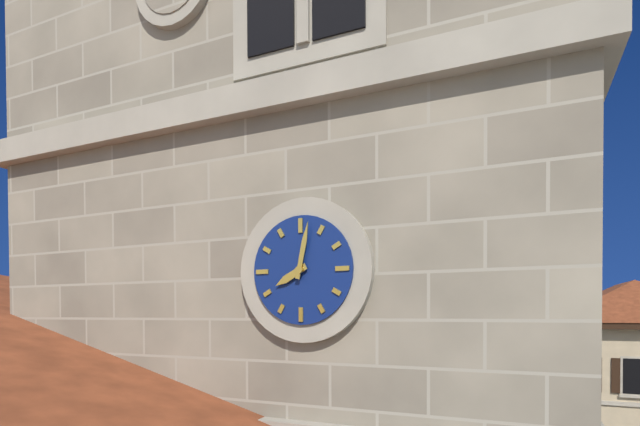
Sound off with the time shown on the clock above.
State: 8:02
